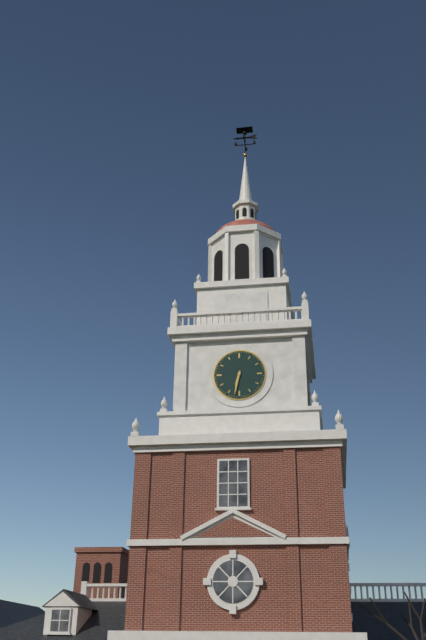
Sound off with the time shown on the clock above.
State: 6:32
